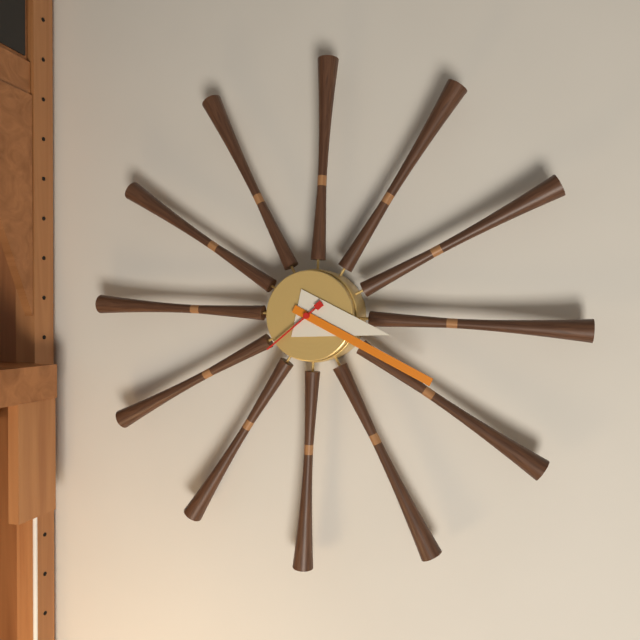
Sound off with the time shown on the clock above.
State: 3:19:38
